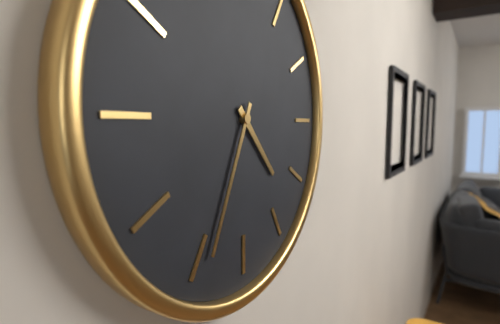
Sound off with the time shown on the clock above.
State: 4:34
